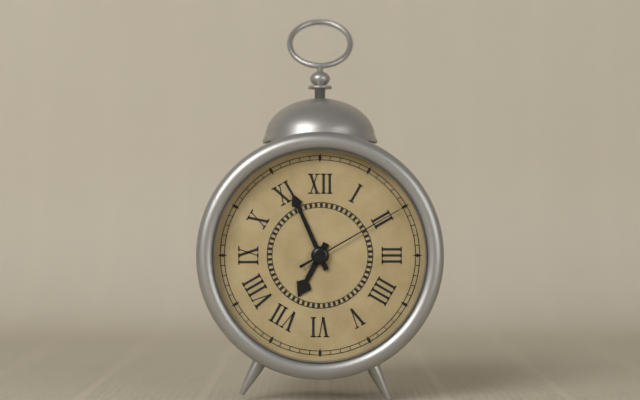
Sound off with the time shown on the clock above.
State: 6:56:10
